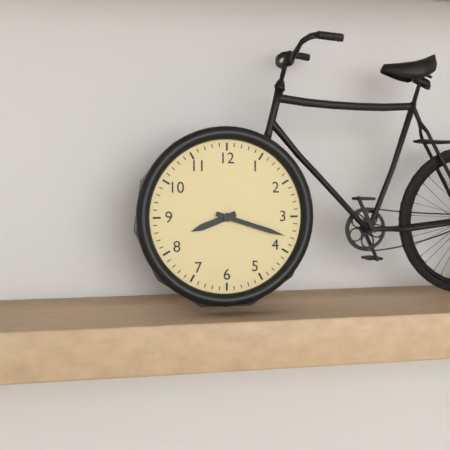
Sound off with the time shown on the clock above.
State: 8:18
